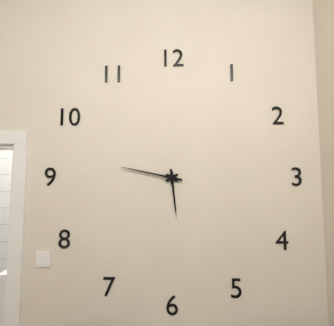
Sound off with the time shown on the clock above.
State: 5:47
